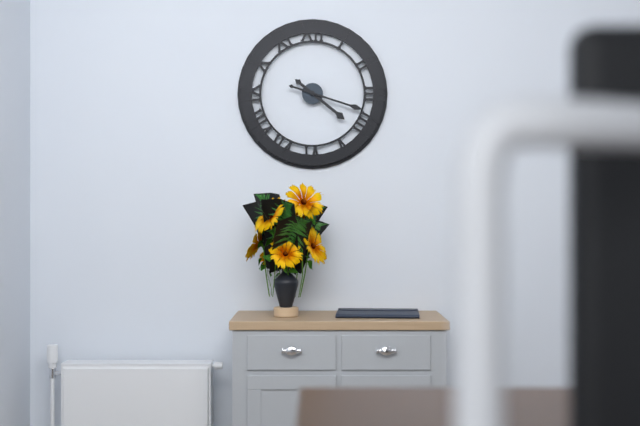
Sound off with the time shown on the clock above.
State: 4:18
